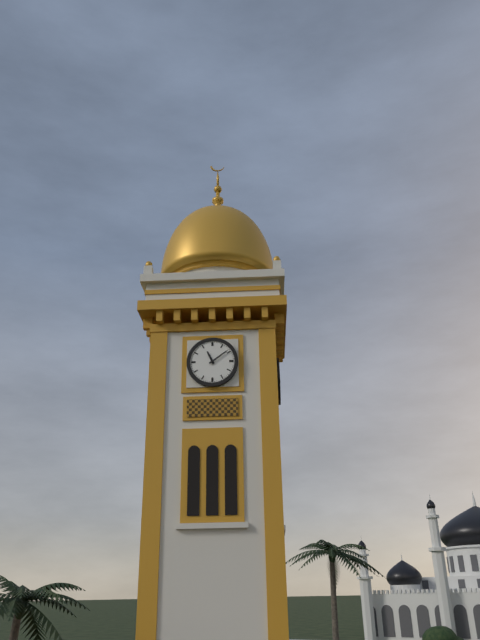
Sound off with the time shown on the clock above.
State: 11:09
